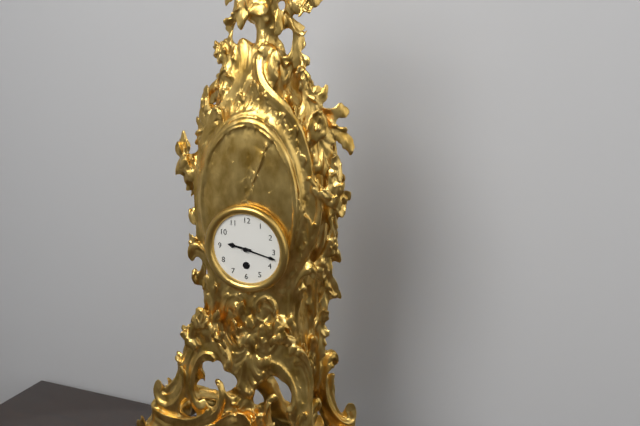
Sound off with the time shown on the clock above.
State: 9:17
